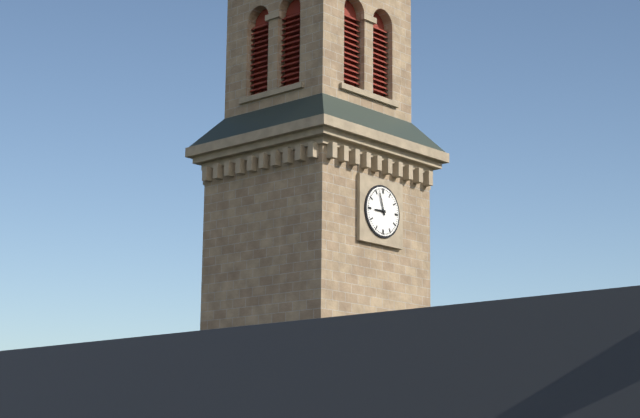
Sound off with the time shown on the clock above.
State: 8:57
